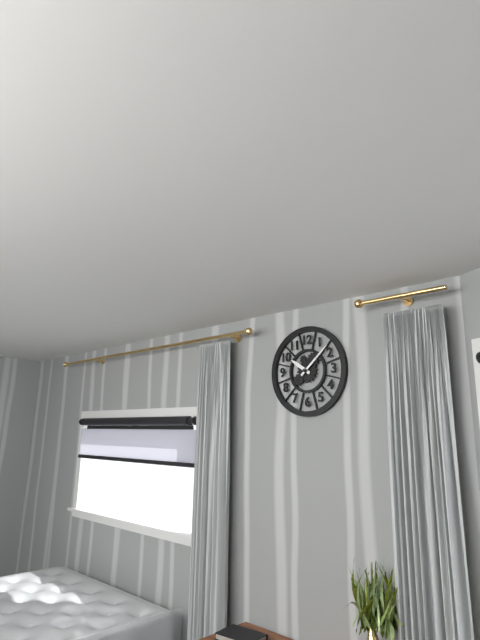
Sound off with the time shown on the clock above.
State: 10:08
